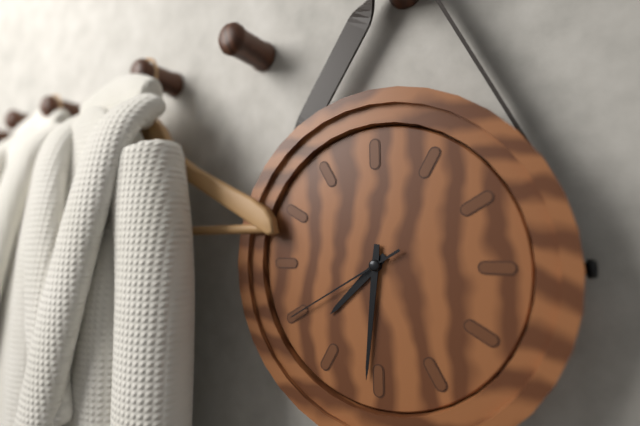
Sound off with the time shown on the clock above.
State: 7:31:40
